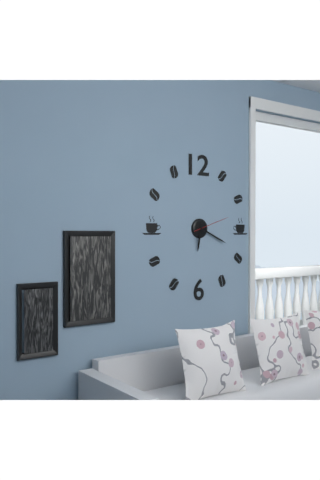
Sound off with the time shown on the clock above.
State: 6:19
